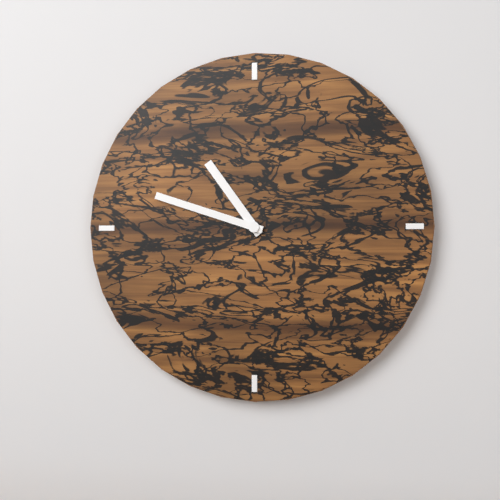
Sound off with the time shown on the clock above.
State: 10:48
